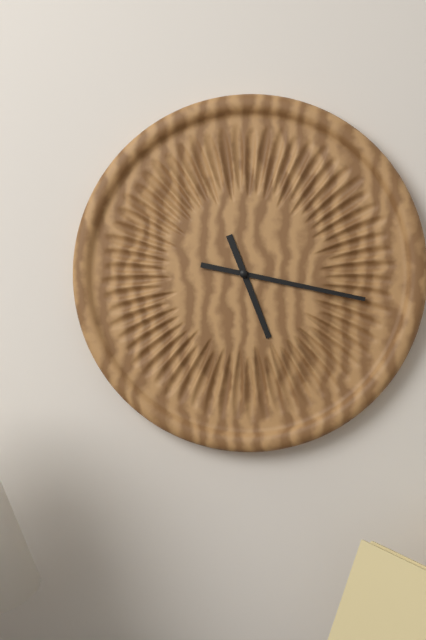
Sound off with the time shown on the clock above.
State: 5:17
